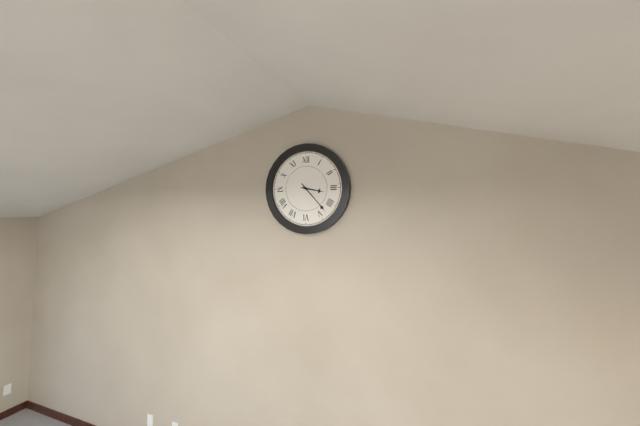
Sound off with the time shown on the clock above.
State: 3:23
